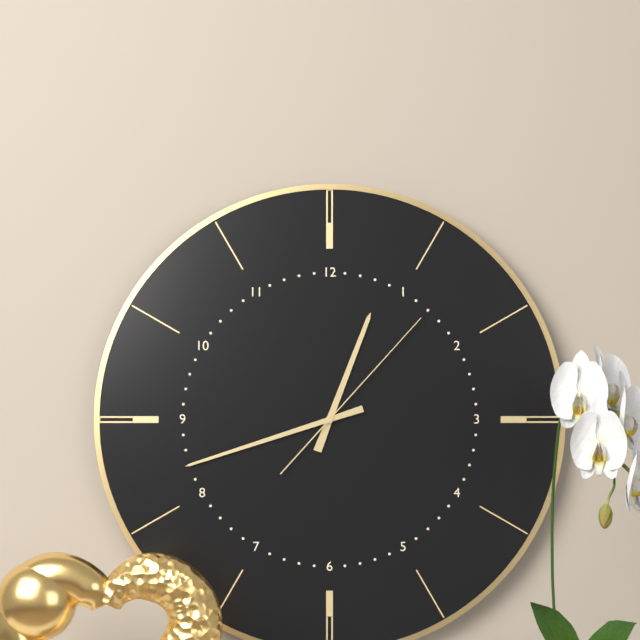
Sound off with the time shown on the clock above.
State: 12:42:07
